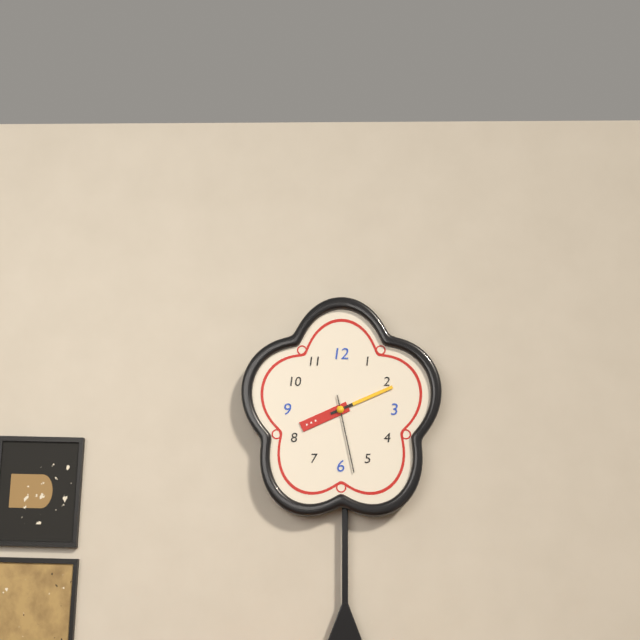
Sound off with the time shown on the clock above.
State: 8:11:28
